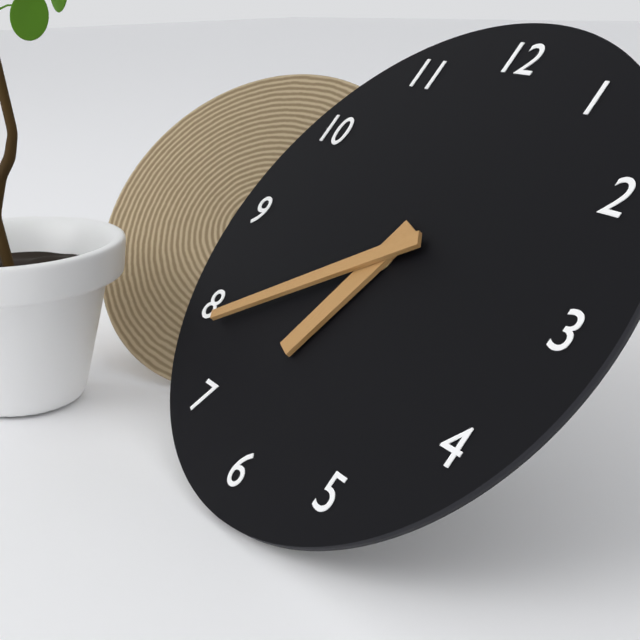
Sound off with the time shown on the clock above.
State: 6:39
